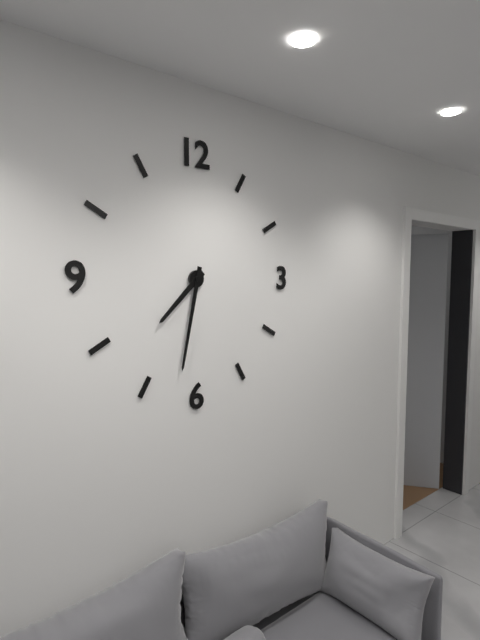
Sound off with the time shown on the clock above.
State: 7:32
